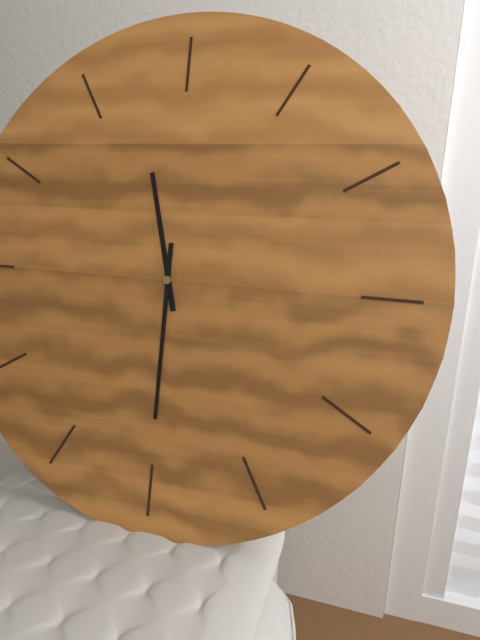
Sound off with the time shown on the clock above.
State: 11:30
